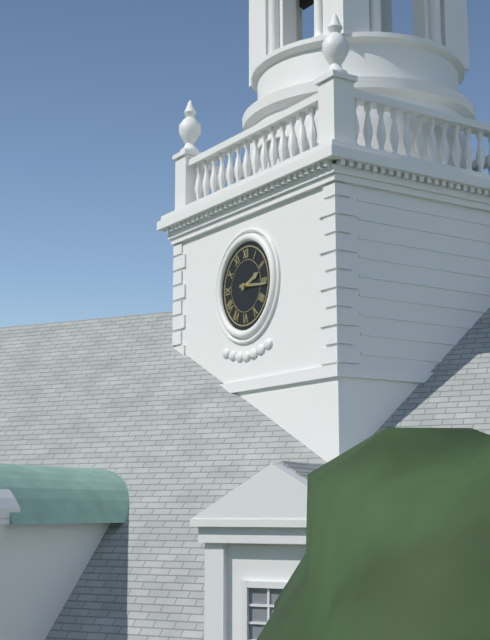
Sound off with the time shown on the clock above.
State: 2:16
